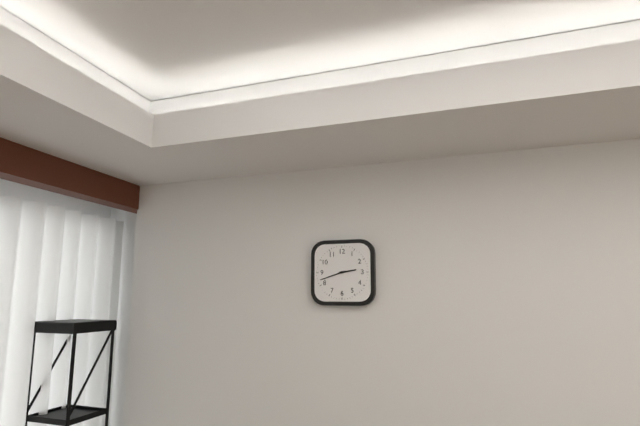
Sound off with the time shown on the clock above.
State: 2:42
